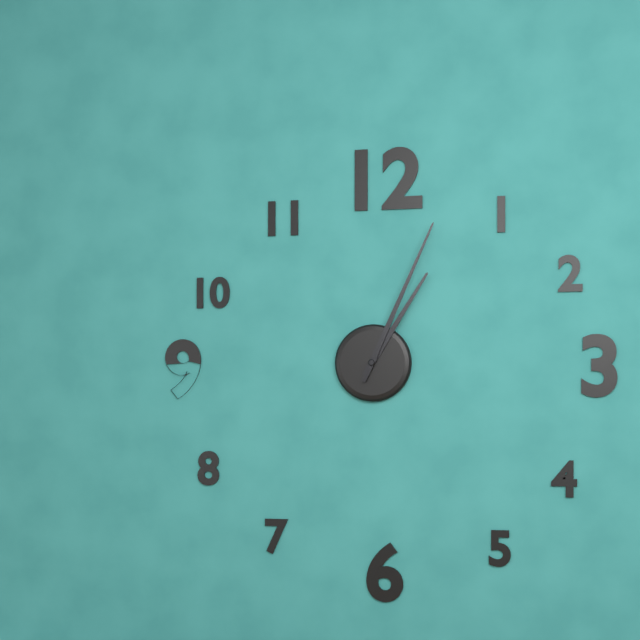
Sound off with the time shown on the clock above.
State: 1:04
